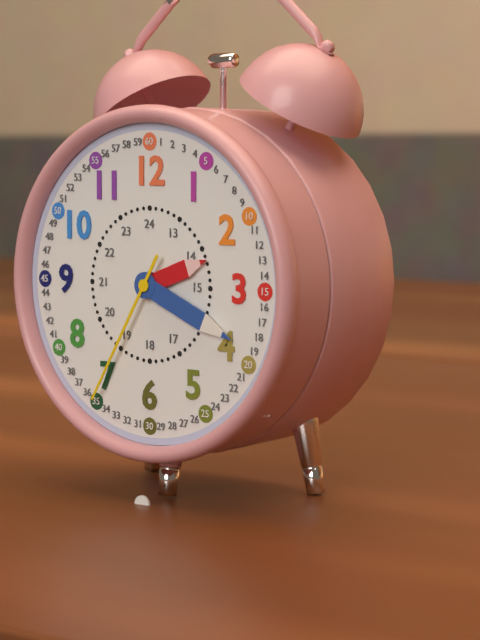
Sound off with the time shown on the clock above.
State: 2:19:35
